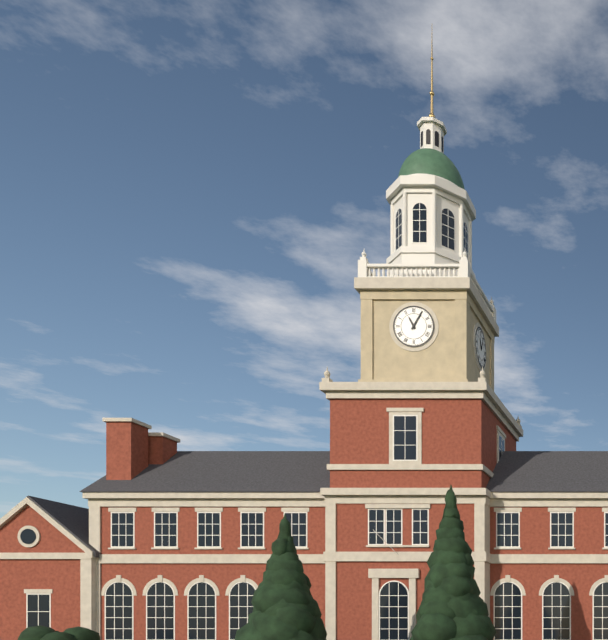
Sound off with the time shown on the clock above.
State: 11:05
